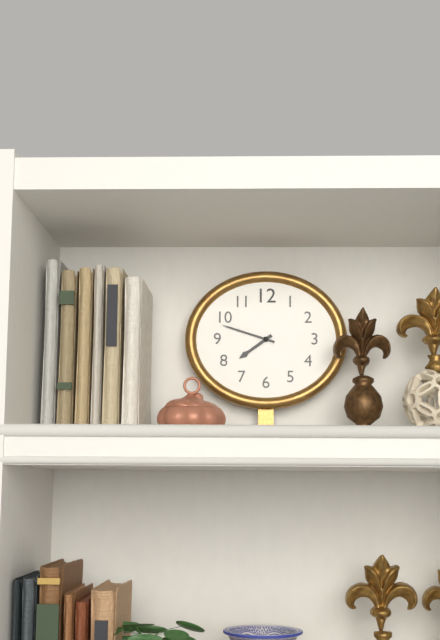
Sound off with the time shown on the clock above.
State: 7:48
